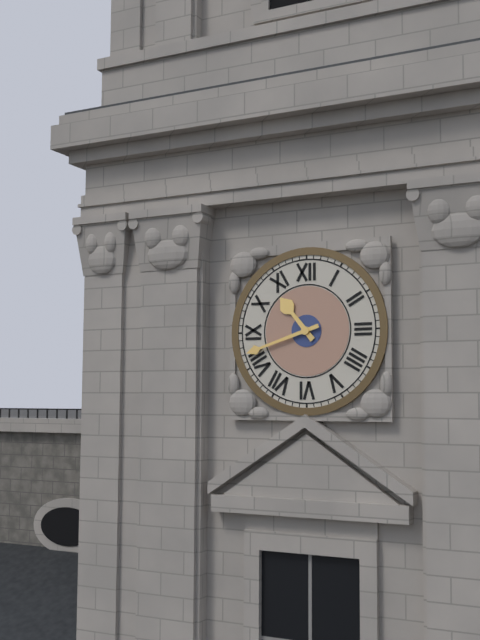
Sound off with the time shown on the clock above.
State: 10:42
